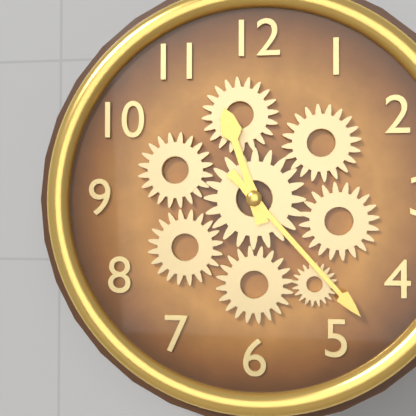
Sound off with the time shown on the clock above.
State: 11:23
